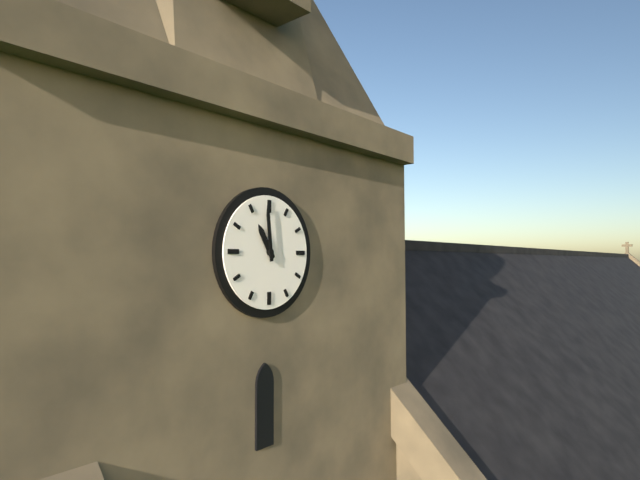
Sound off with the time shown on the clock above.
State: 10:59
